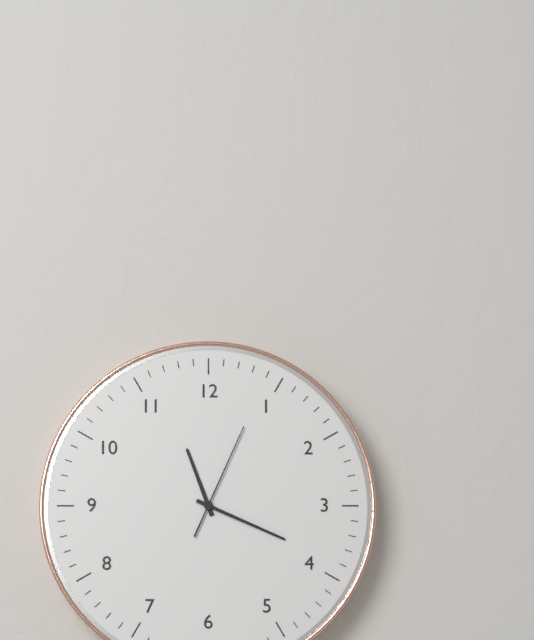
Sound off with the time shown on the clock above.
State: 11:19:04
